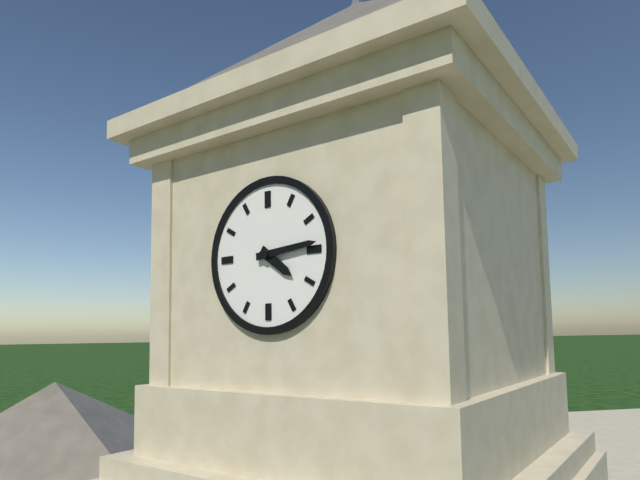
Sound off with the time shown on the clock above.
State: 4:14
